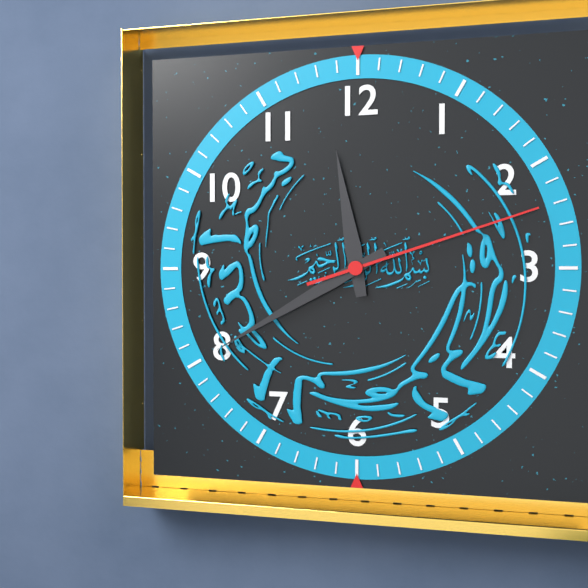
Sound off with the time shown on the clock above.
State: 11:40:12
